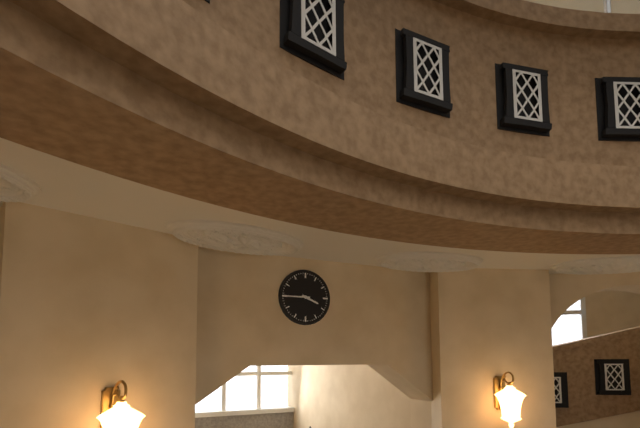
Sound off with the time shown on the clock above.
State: 3:45
